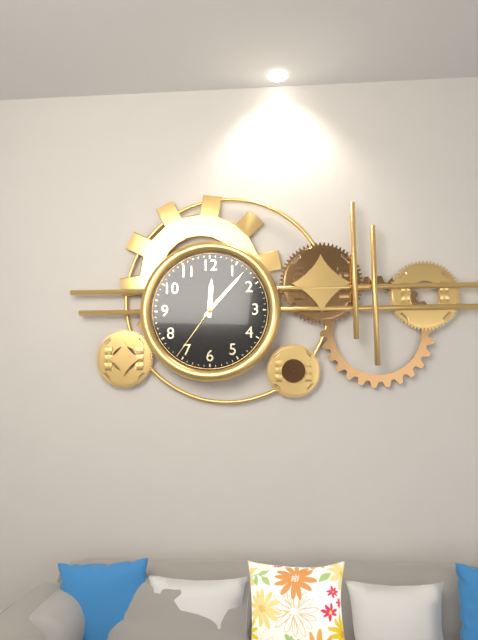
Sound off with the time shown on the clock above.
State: 12:07:36
